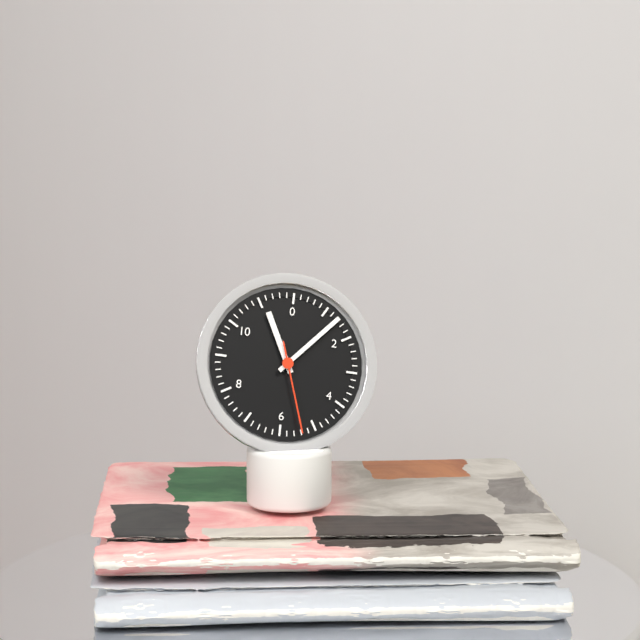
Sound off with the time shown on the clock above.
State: 11:07:27
